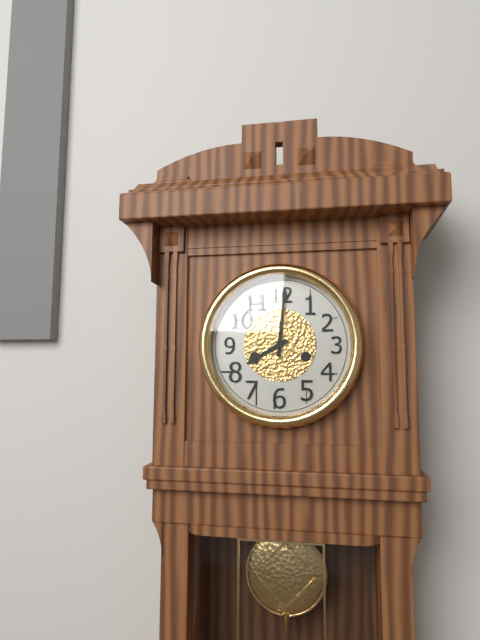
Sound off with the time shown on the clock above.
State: 8:01
